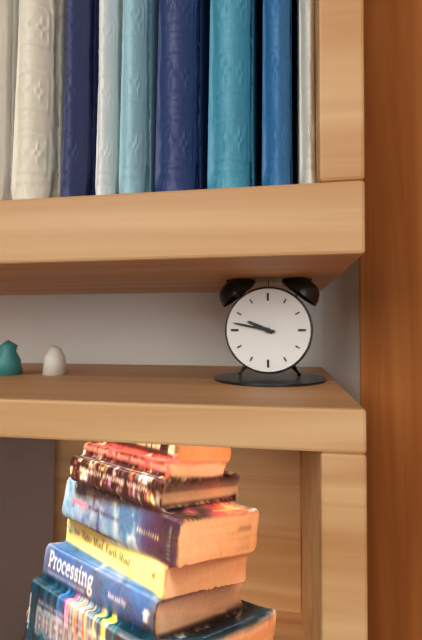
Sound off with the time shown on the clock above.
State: 9:47
